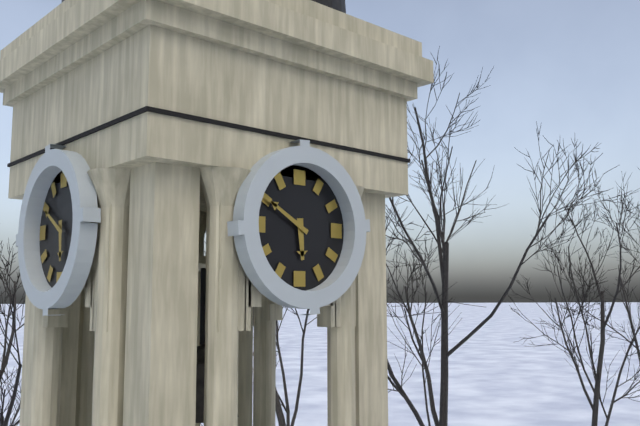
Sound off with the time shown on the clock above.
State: 5:50
